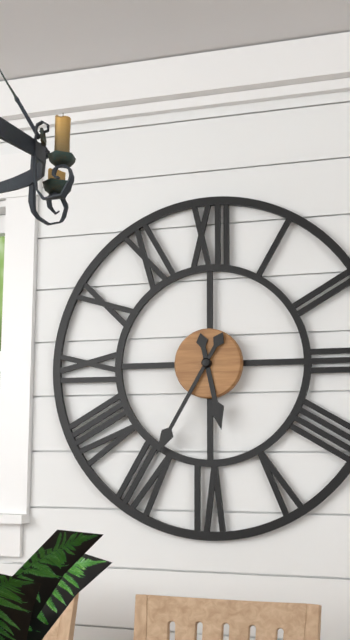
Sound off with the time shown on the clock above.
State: 5:35
